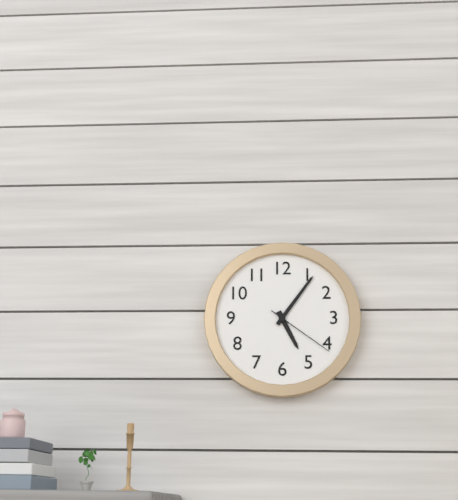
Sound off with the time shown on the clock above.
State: 5:06:21
